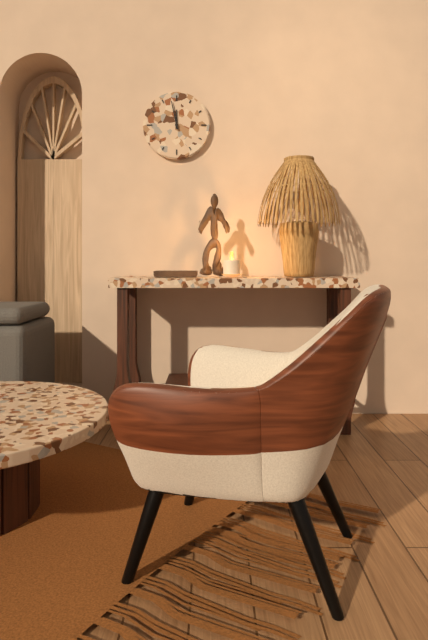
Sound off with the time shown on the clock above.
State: 11:58
